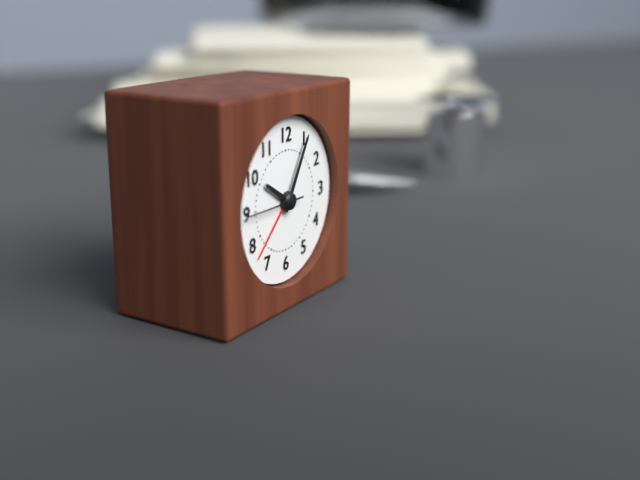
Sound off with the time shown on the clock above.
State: 10:05:45
